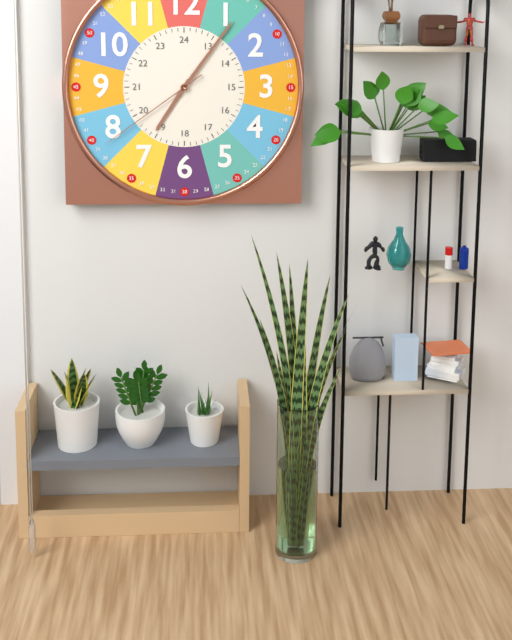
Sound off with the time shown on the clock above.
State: 7:06:39
